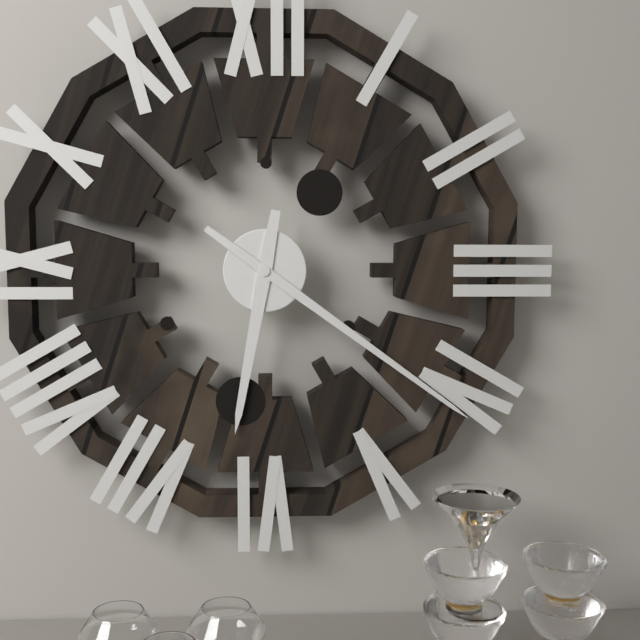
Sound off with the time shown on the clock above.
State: 6:21
